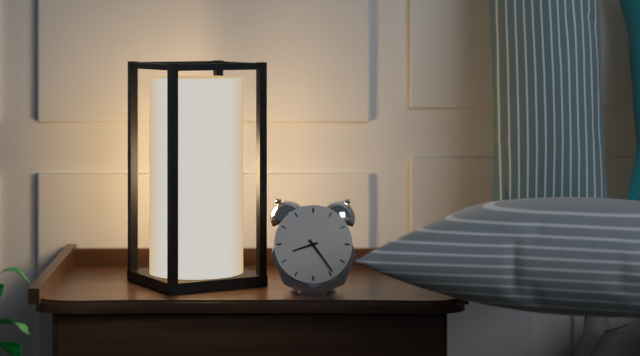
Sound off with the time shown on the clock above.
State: 8:24
